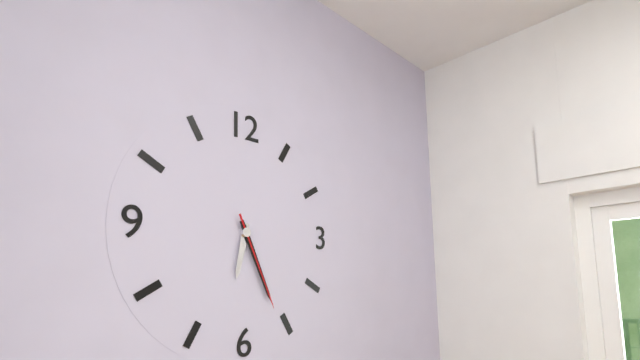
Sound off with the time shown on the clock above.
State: 6:26:26
